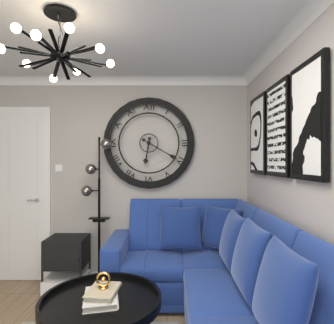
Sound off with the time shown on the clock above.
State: 6:20
